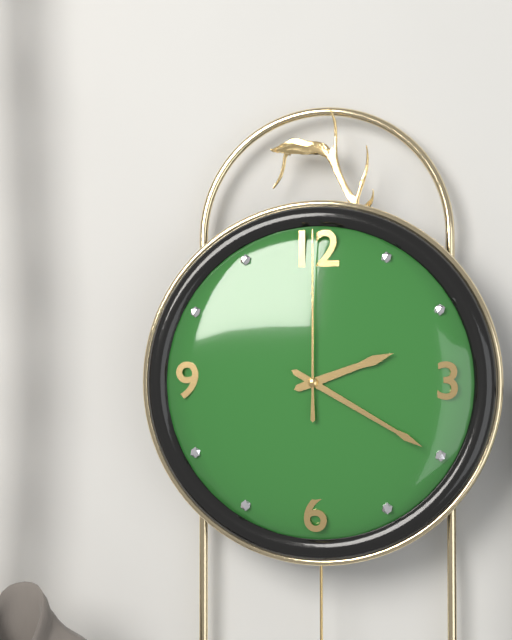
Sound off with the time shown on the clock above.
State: 2:20:00
